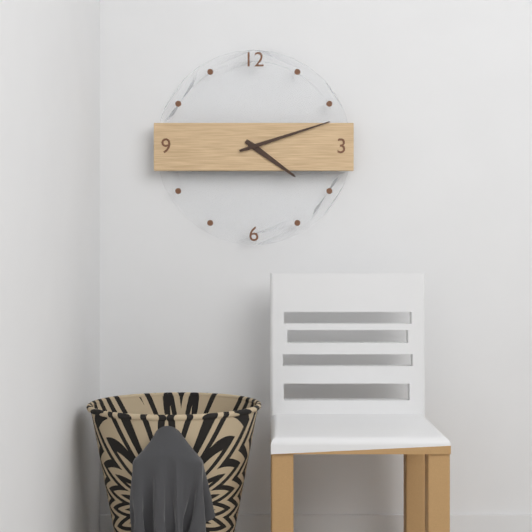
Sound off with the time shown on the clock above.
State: 4:12
